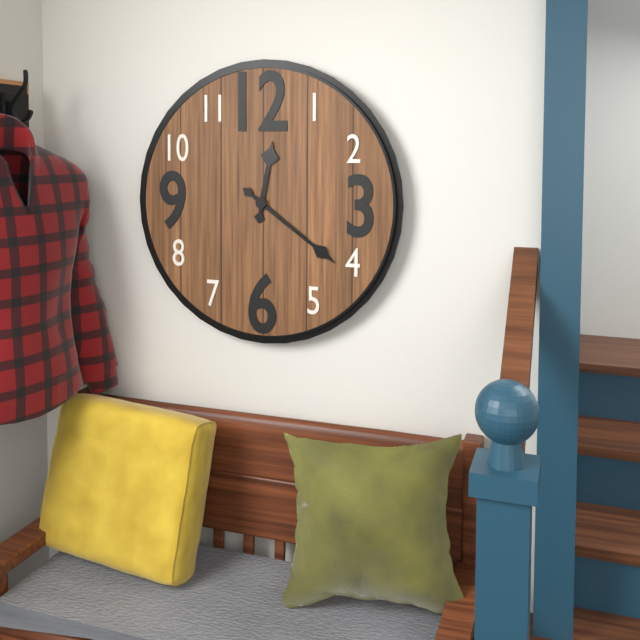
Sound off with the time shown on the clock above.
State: 12:21
